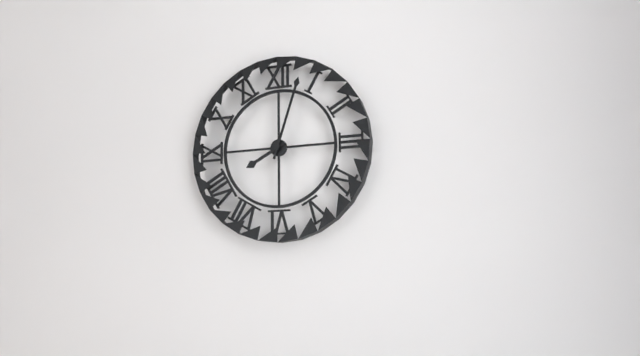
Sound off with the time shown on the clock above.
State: 8:03
